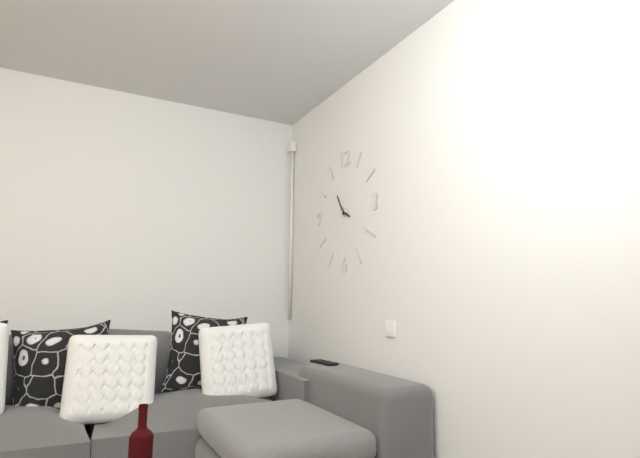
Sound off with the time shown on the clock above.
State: 3:55
